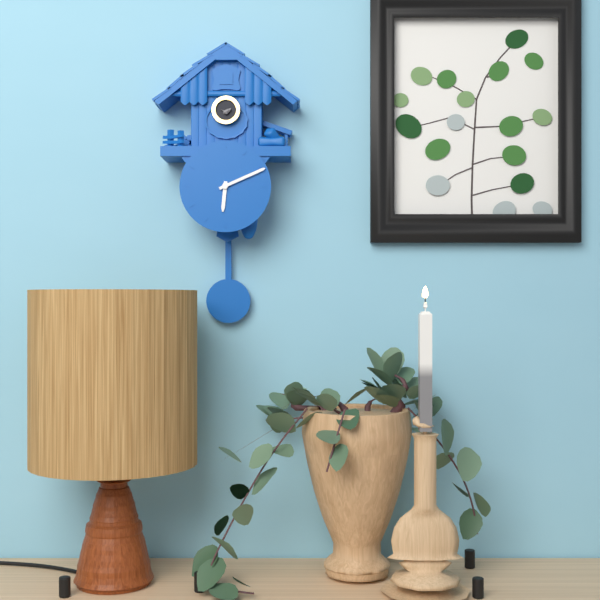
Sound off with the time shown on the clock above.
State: 6:11
